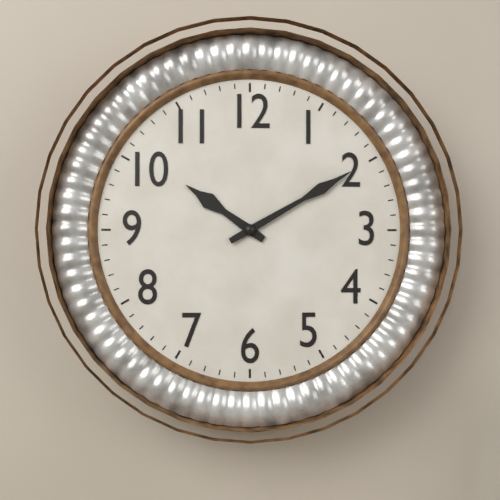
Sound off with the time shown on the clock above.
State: 10:10
